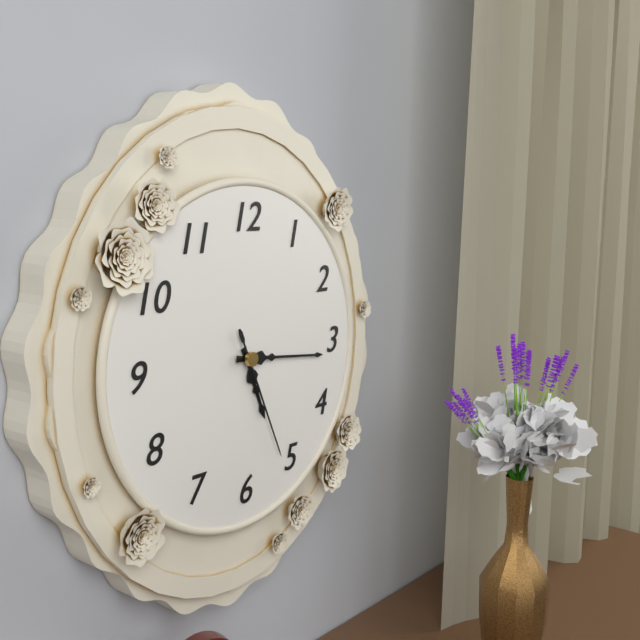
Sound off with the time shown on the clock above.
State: 5:16:26
